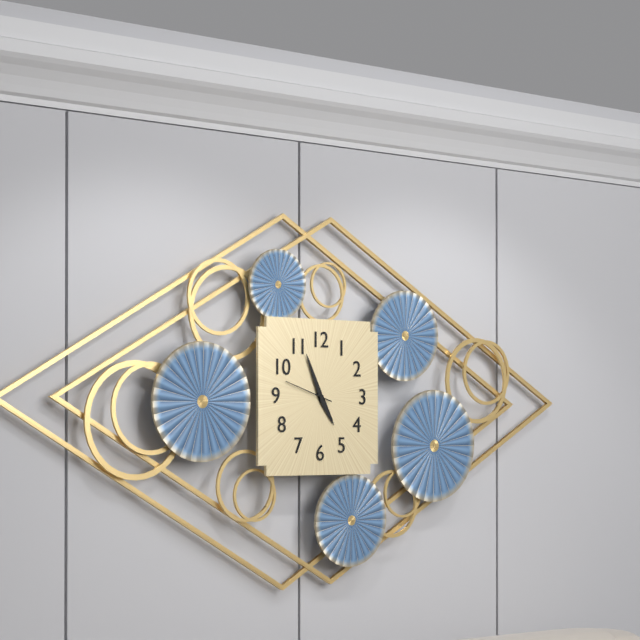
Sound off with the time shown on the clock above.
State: 4:56
